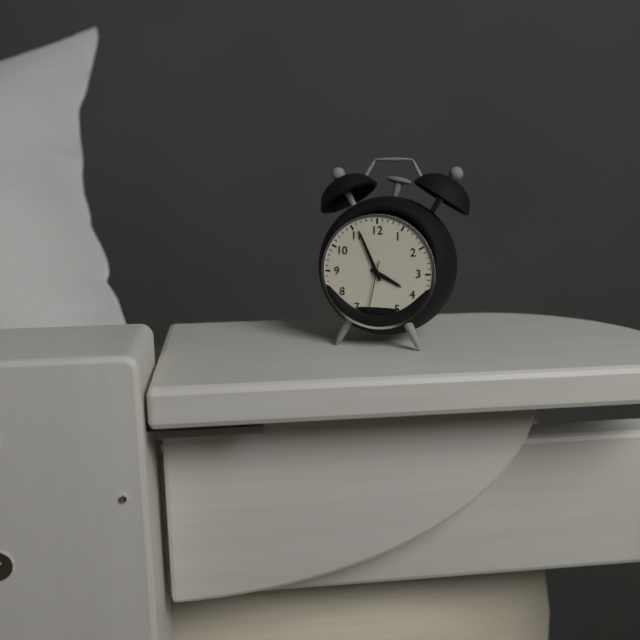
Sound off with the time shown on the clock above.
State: 3:56:32
